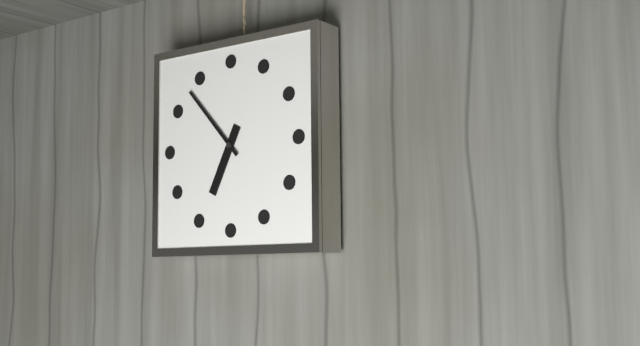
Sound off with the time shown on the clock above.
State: 6:53
